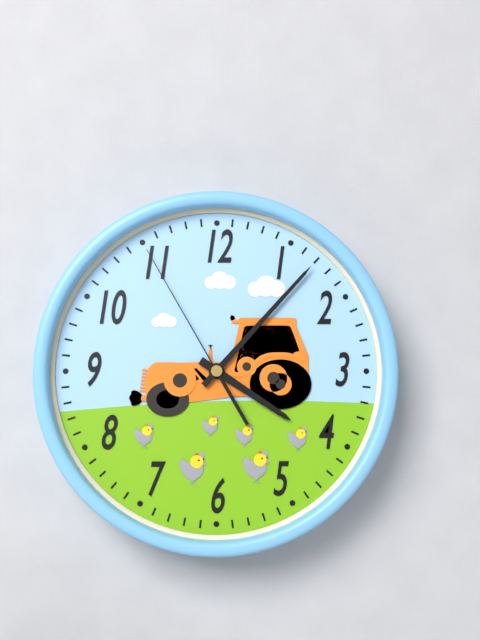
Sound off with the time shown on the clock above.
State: 4:07:55
